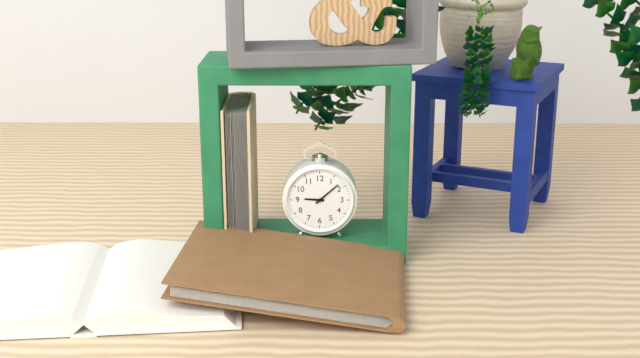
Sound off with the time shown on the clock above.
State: 9:08
